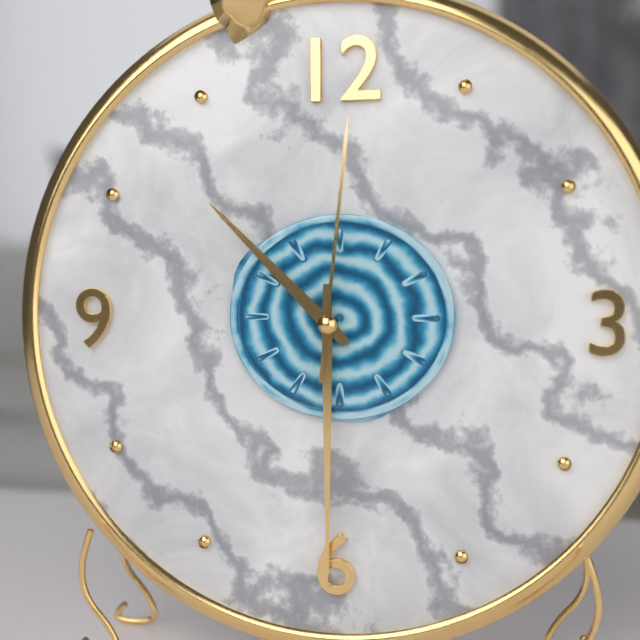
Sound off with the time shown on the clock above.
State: 10:30:01
